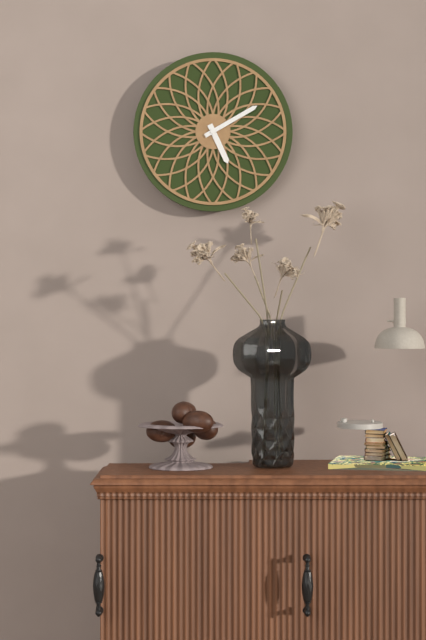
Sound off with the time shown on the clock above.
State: 5:10
